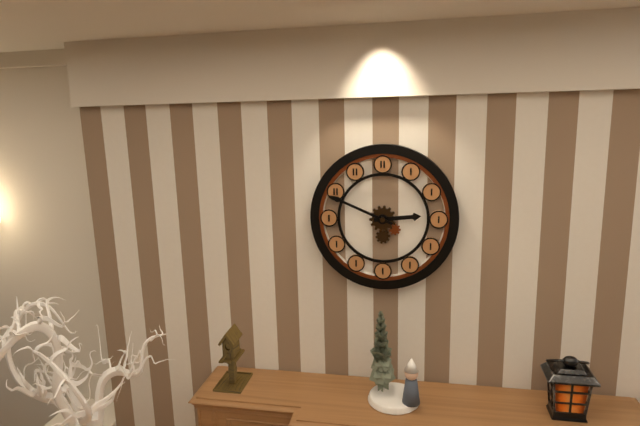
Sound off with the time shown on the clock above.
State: 2:49
